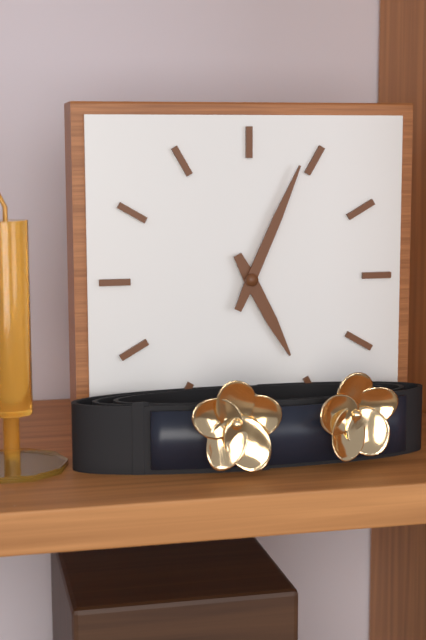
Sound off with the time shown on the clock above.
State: 5:04
